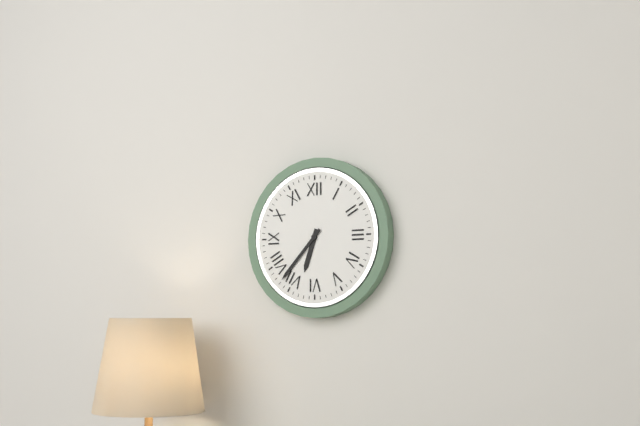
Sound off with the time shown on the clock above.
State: 6:37
